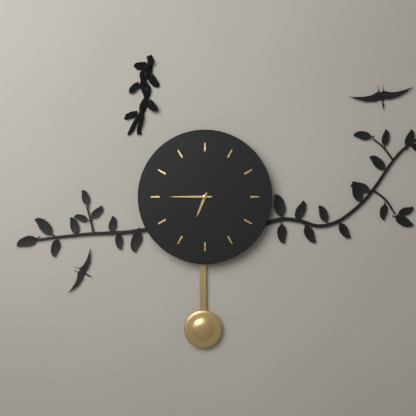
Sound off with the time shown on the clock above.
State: 6:45
